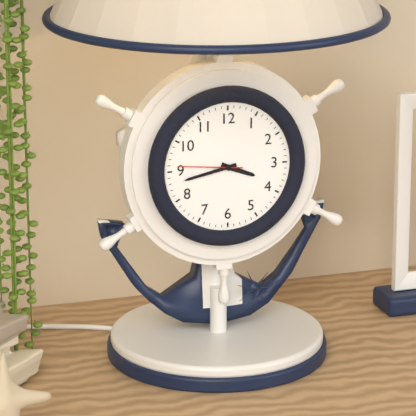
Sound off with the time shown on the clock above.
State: 3:43:46
